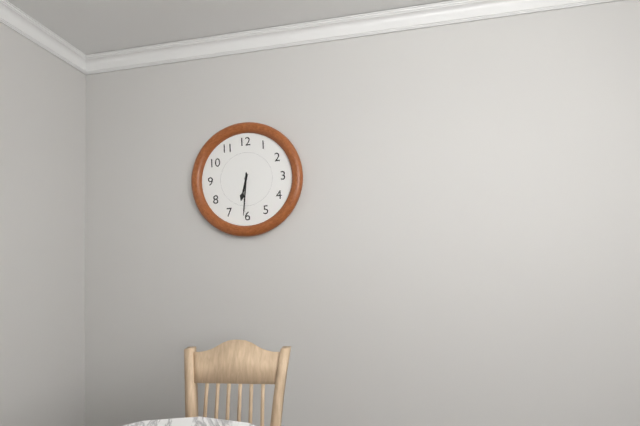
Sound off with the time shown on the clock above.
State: 6:31
